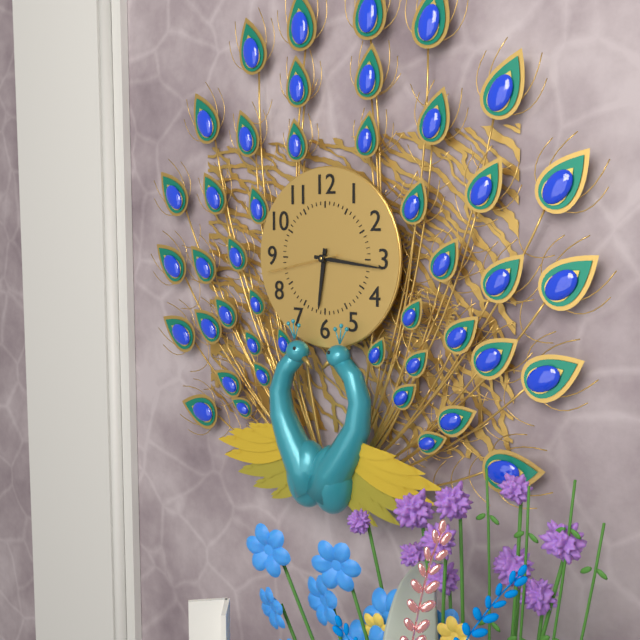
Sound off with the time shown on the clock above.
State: 6:16:43
